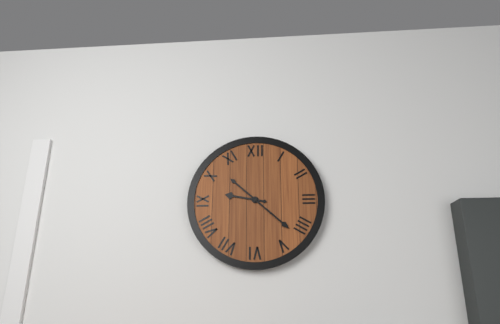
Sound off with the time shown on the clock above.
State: 9:22
